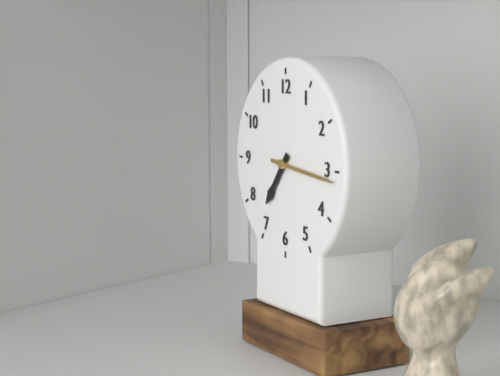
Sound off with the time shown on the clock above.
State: 7:16
